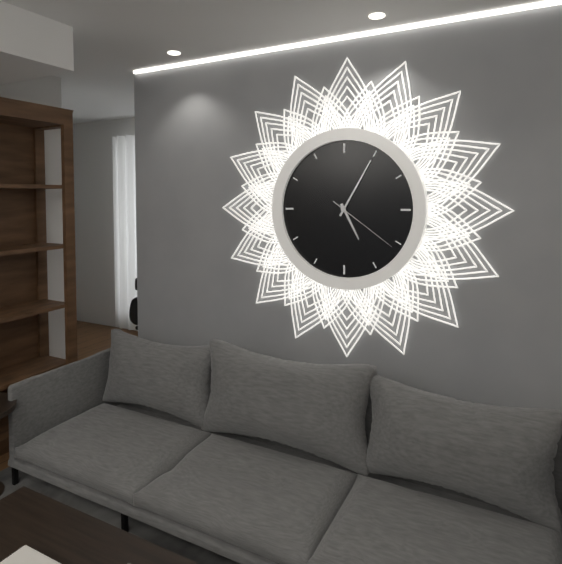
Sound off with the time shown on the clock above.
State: 5:05:21
